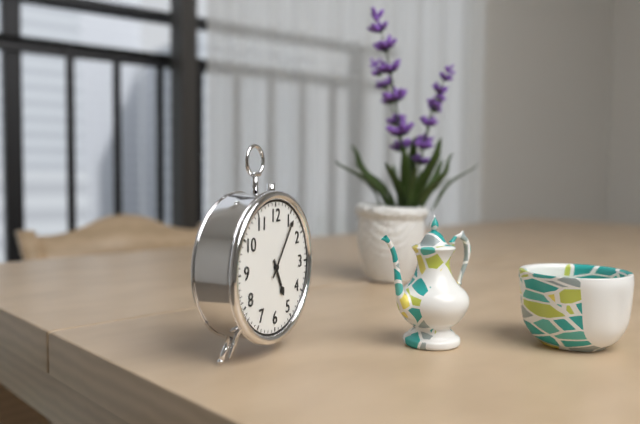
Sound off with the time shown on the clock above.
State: 5:06
